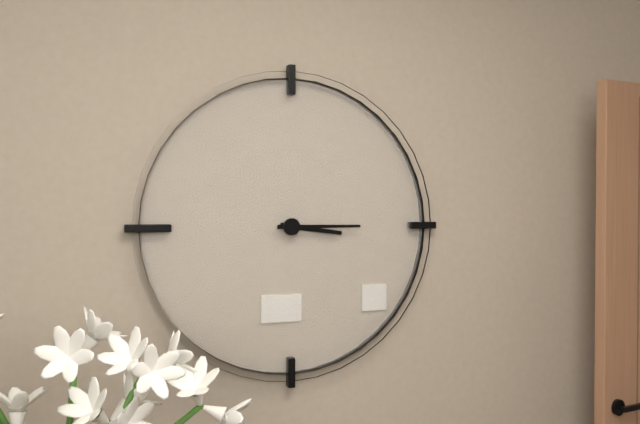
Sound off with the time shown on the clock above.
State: 3:15
